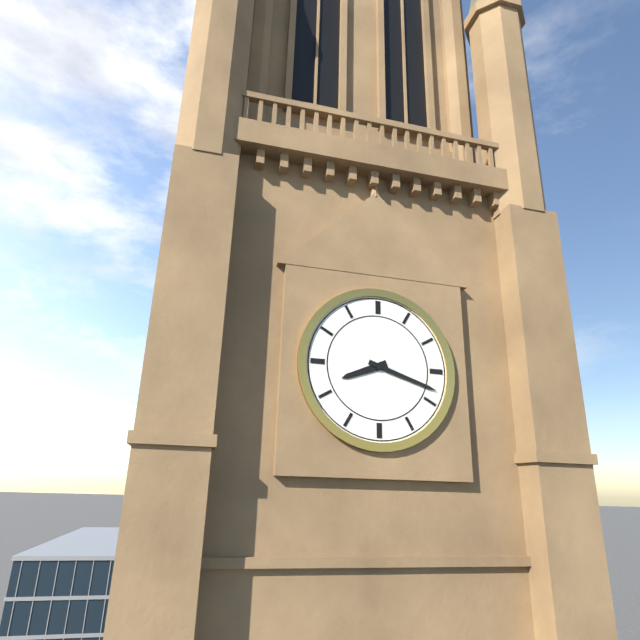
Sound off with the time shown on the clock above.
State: 8:18
